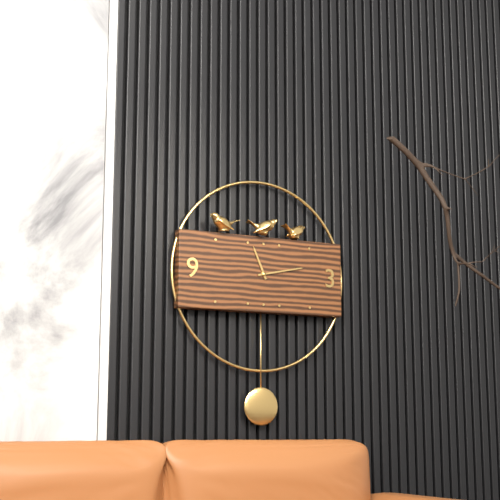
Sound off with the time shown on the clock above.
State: 11:13
